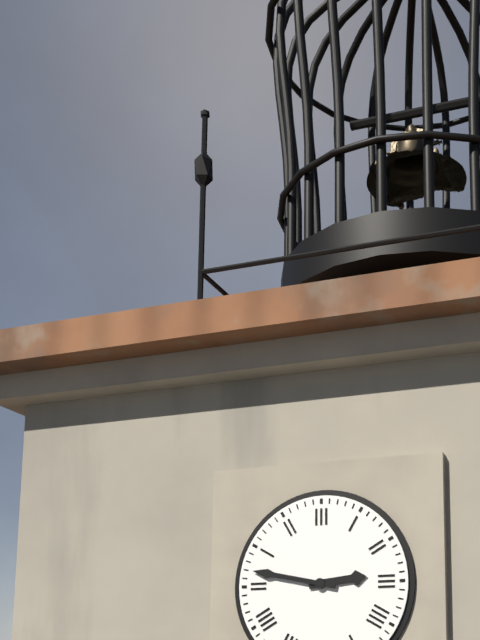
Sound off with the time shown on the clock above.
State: 2:47
